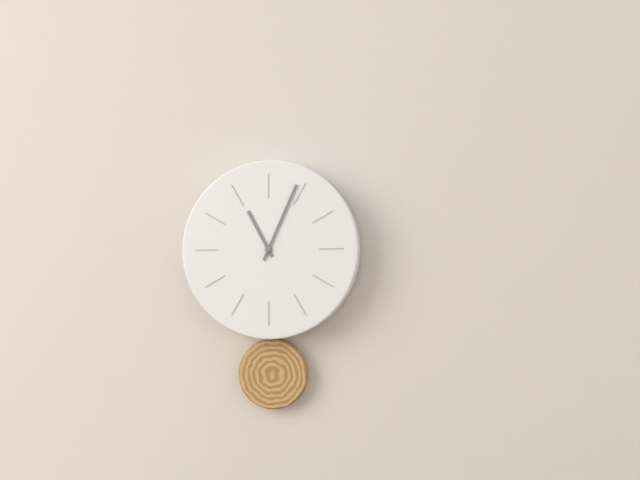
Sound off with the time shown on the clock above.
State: 11:04
